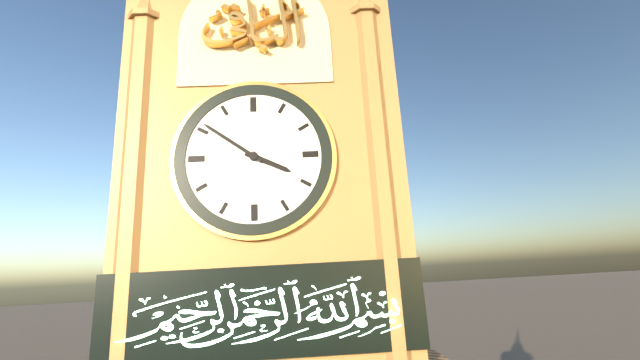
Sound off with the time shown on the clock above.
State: 3:51
